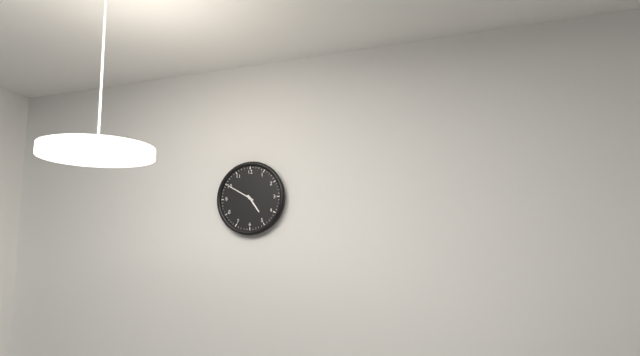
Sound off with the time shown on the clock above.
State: 4:50
